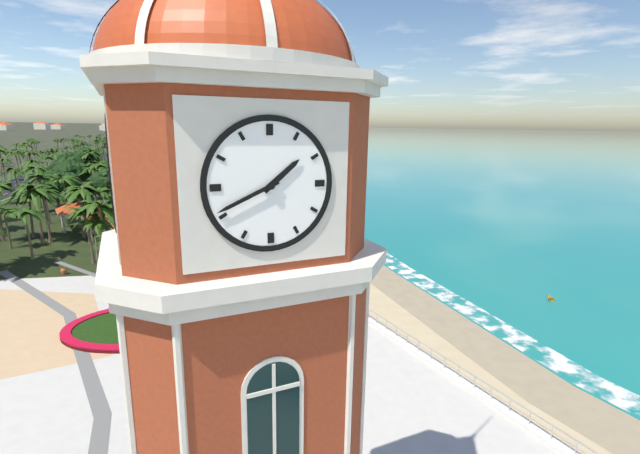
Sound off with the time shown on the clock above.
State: 1:41
